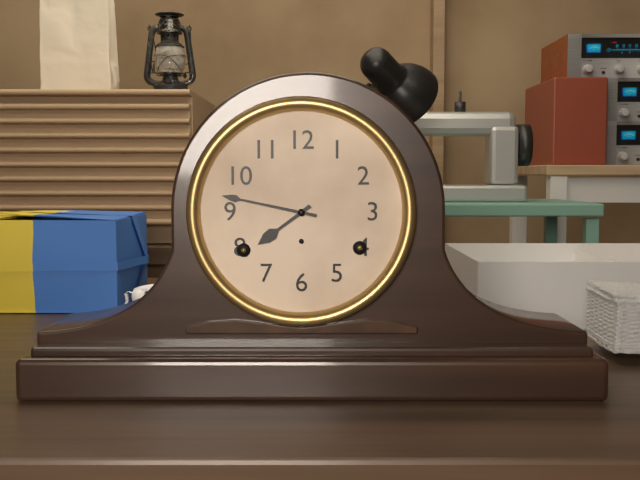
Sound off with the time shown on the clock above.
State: 7:47
